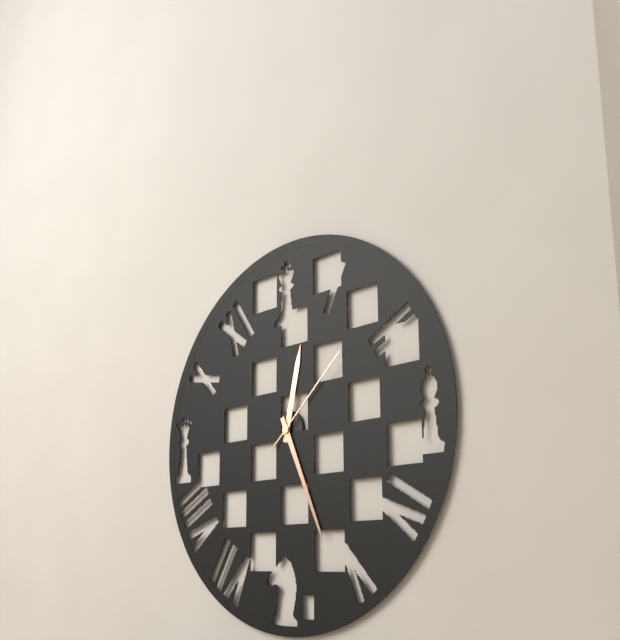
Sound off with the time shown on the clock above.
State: 12:26:08
